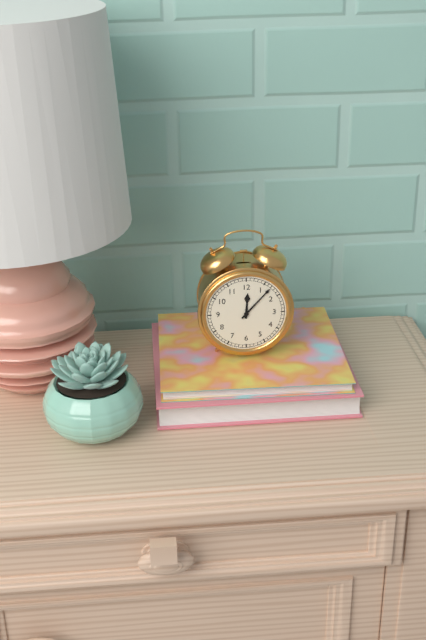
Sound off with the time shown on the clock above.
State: 12:07
